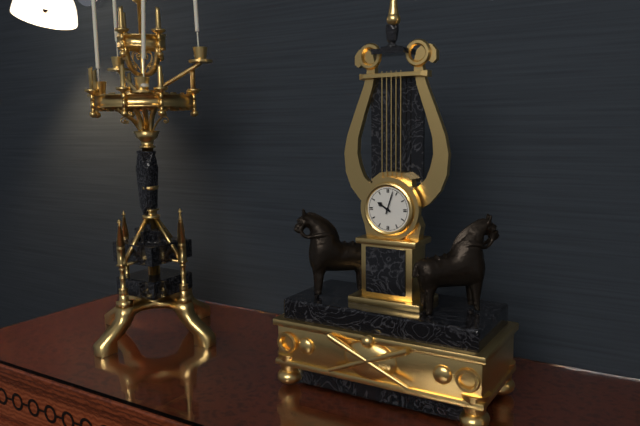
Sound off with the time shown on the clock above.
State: 10:03
